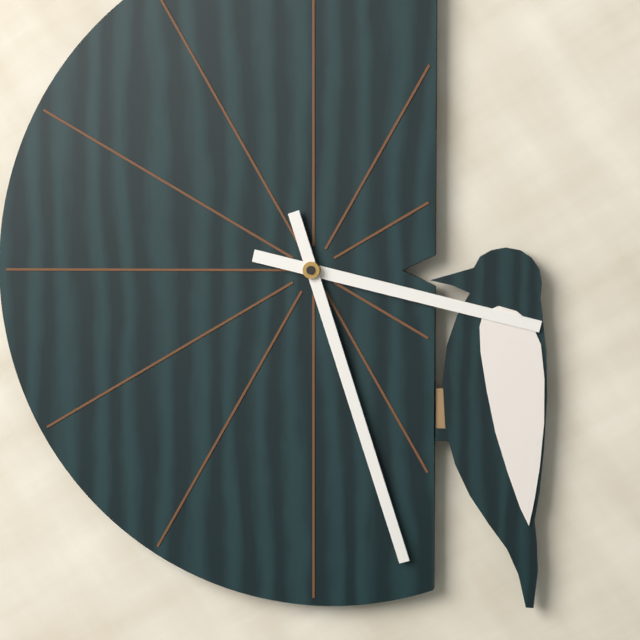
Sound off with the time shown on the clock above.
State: 3:27
